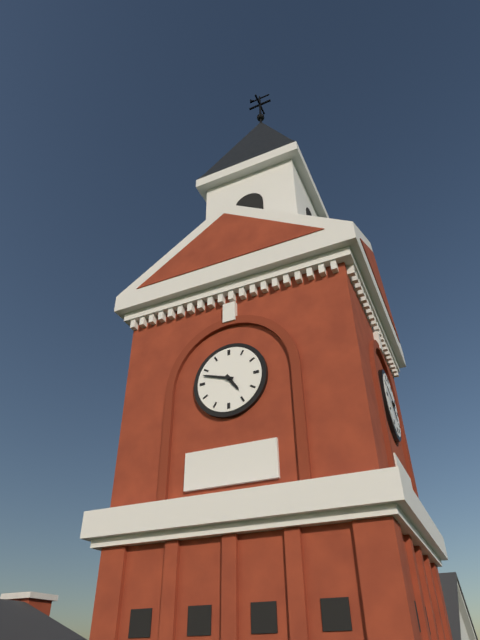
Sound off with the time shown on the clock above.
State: 4:48
